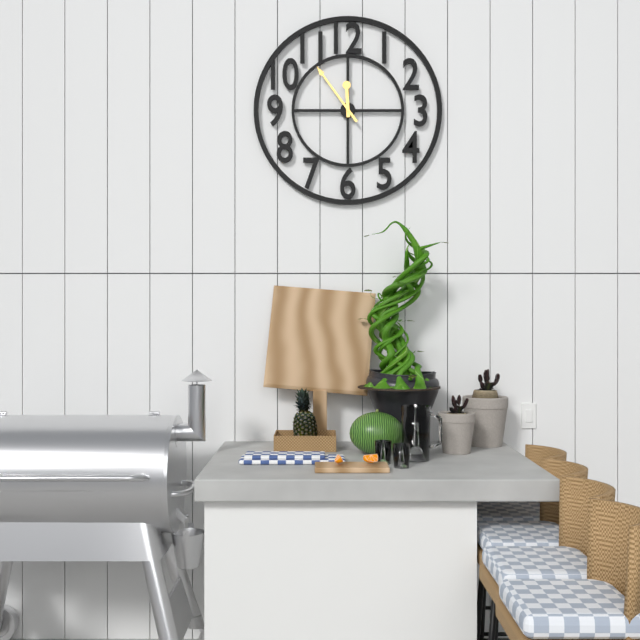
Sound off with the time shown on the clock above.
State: 11:54
